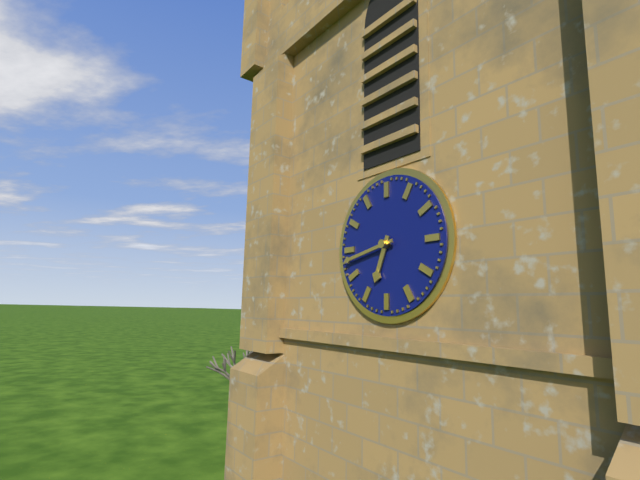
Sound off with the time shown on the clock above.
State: 6:43
